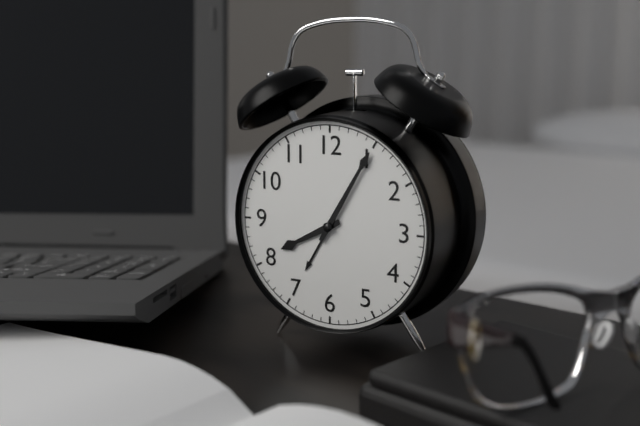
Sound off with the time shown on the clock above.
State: 8:05
